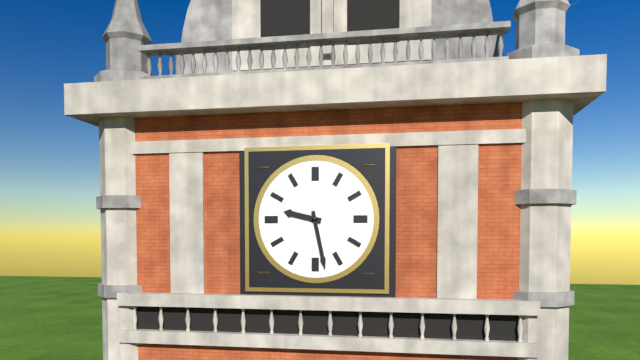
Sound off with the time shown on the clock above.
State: 9:28
